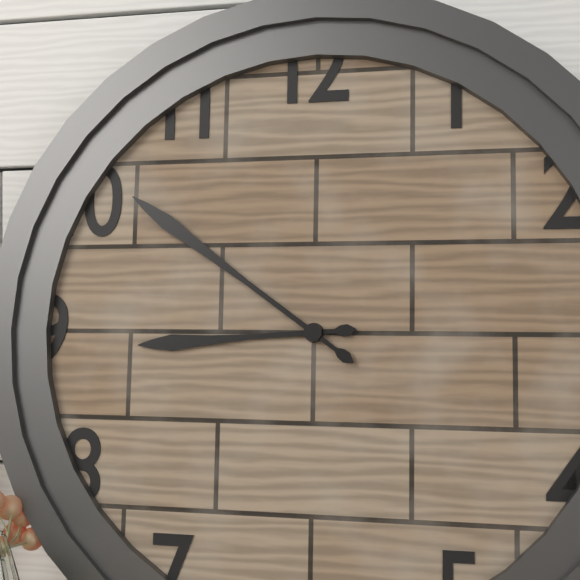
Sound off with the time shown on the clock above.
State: 8:51
